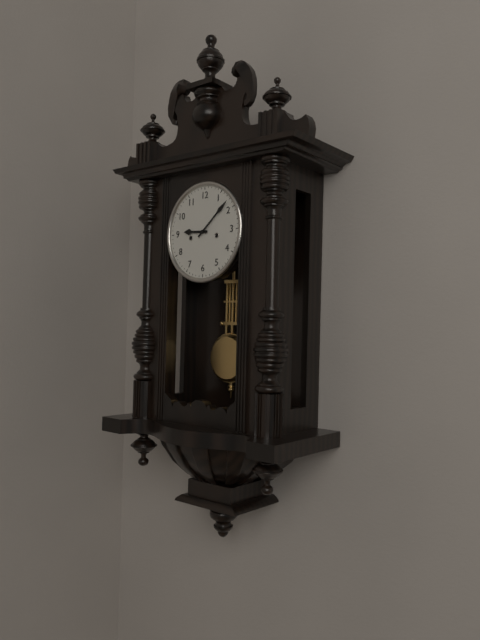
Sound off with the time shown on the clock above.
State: 9:08
